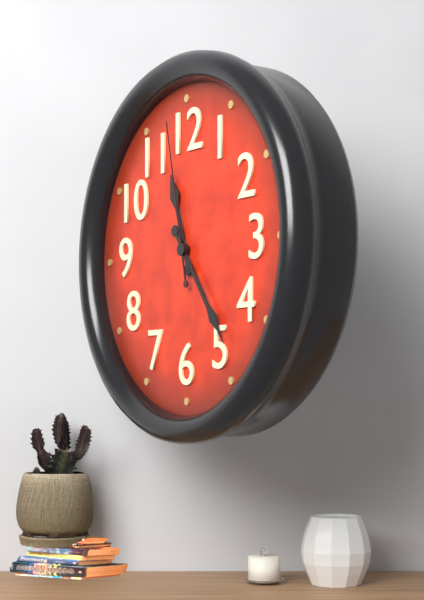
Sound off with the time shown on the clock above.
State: 11:24:58
